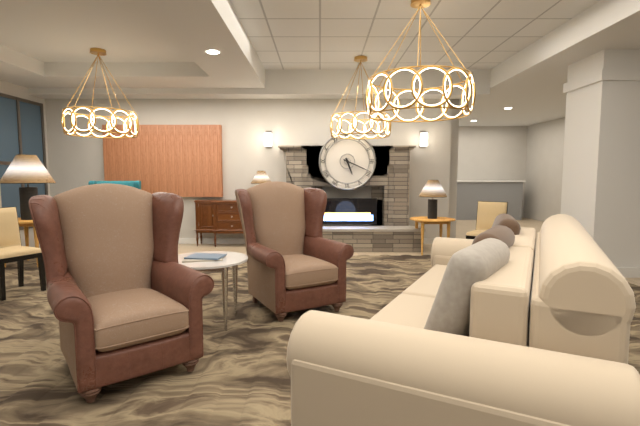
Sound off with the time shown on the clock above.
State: 5:19
